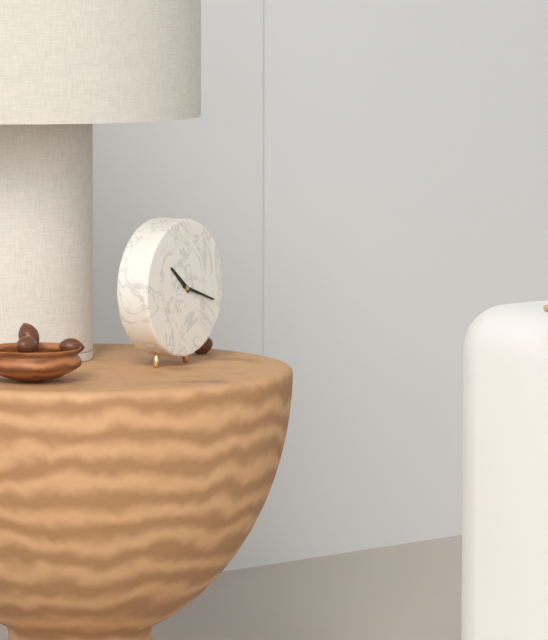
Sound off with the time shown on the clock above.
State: 10:18
